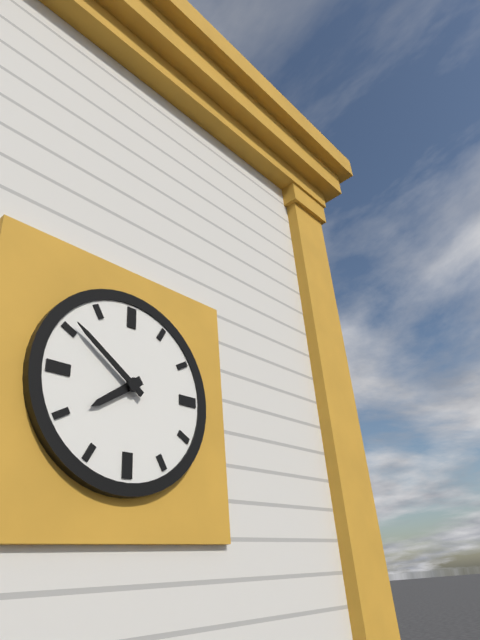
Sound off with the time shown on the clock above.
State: 7:51
